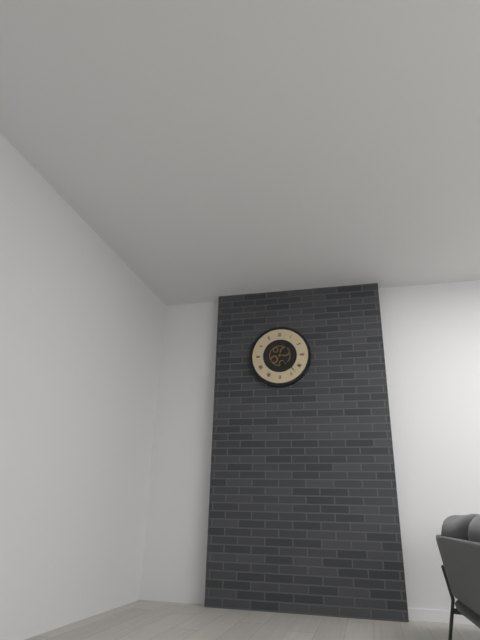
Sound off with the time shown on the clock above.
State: 1:23
